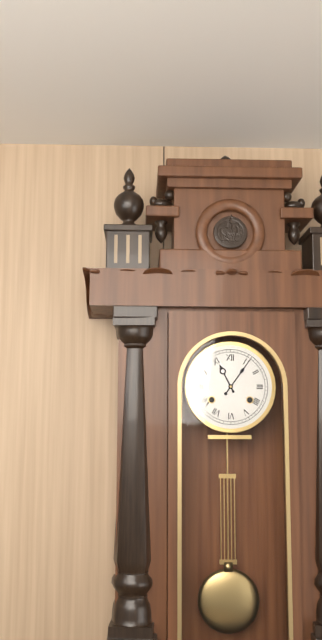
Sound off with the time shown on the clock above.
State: 11:06
